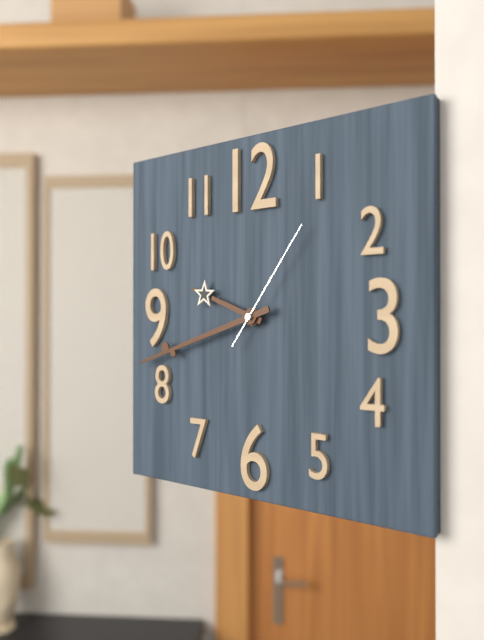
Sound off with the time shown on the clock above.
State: 9:42:06
